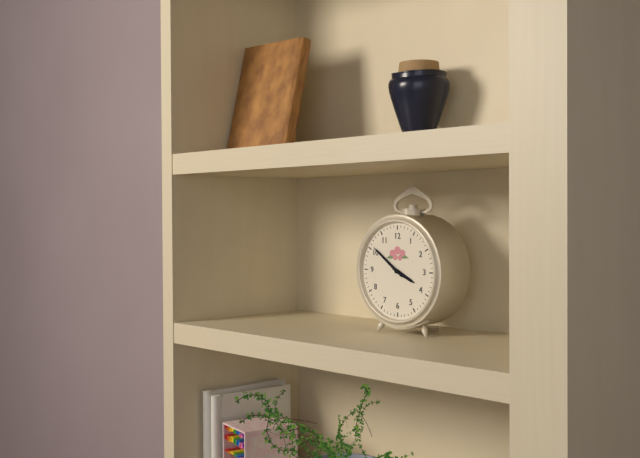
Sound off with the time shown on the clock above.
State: 3:51
